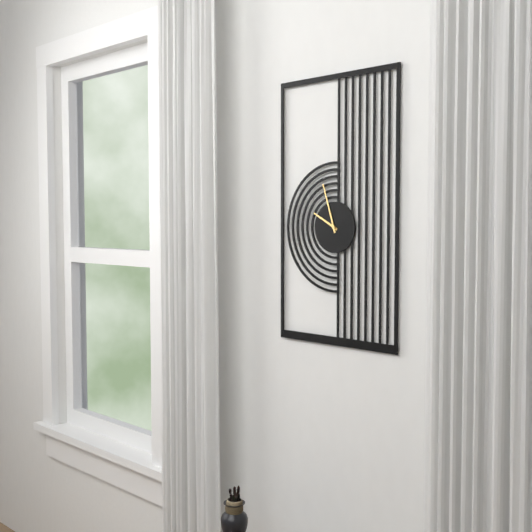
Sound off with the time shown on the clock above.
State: 9:57
